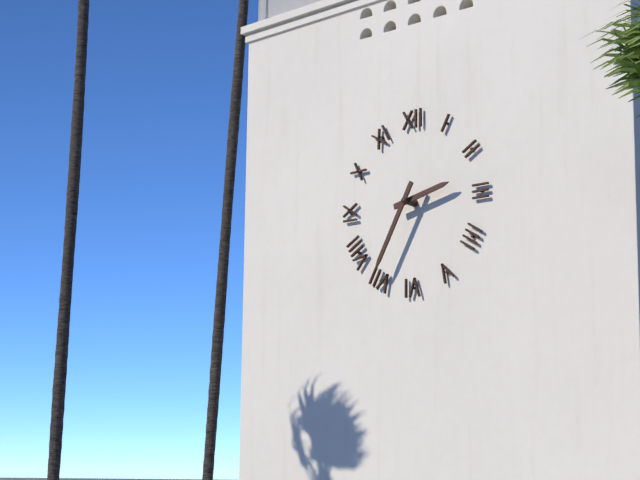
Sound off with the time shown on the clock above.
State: 2:35
